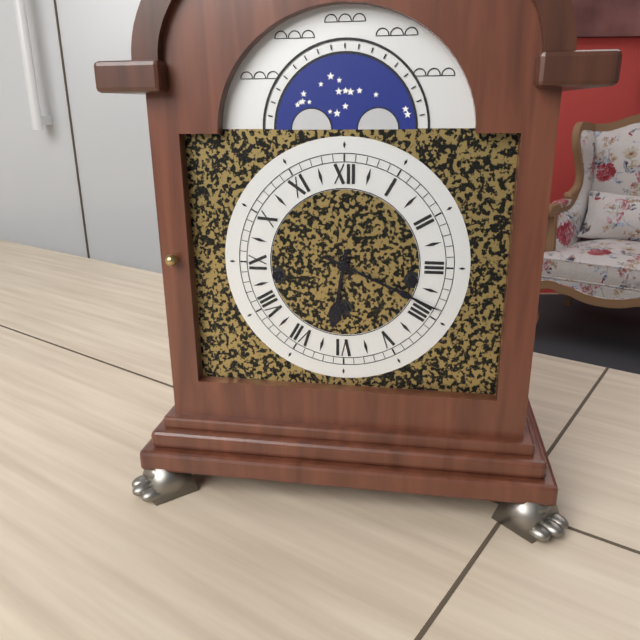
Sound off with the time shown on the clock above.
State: 6:19
